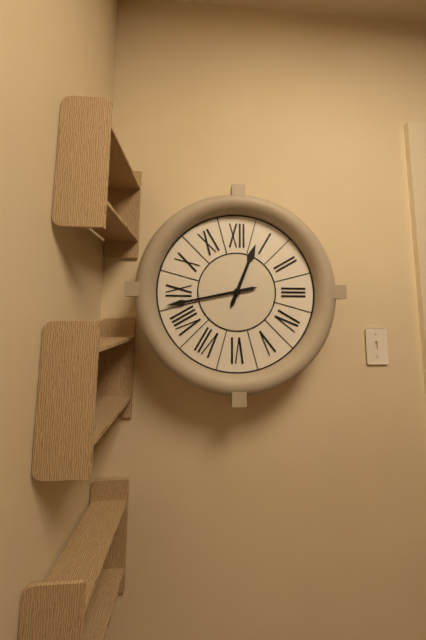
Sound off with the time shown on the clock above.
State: 12:43
